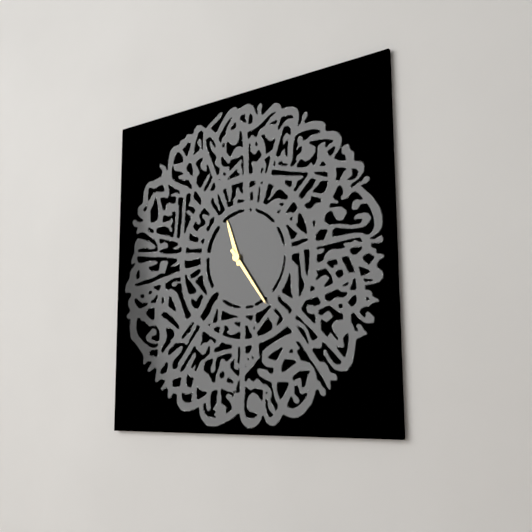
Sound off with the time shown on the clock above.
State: 11:24
